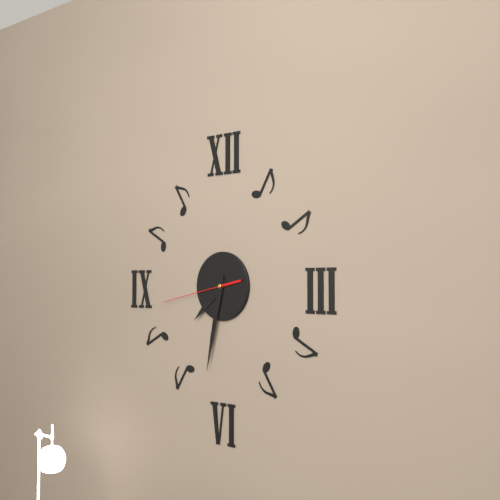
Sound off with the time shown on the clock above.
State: 7:32:43
